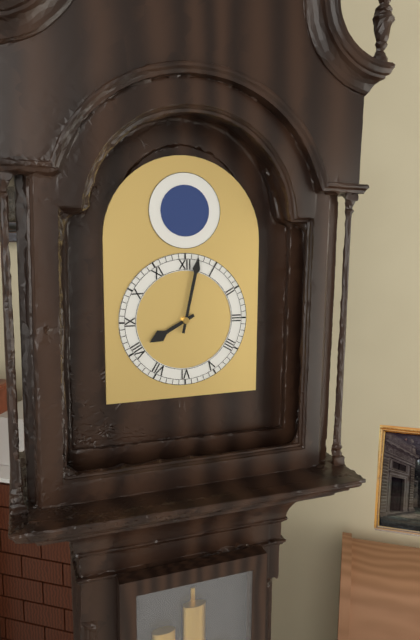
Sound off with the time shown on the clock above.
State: 8:02
